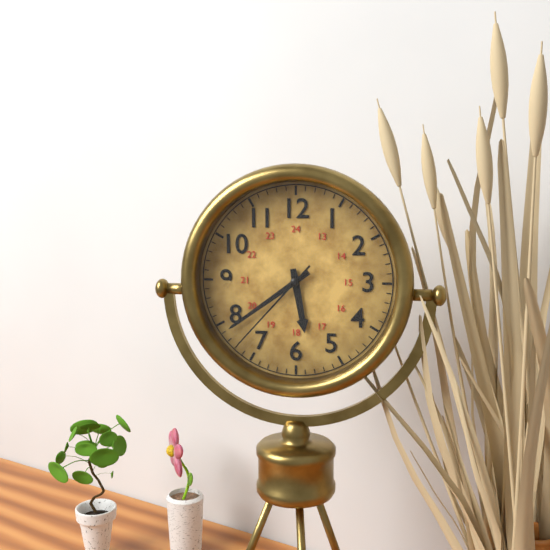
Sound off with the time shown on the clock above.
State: 5:39:37
